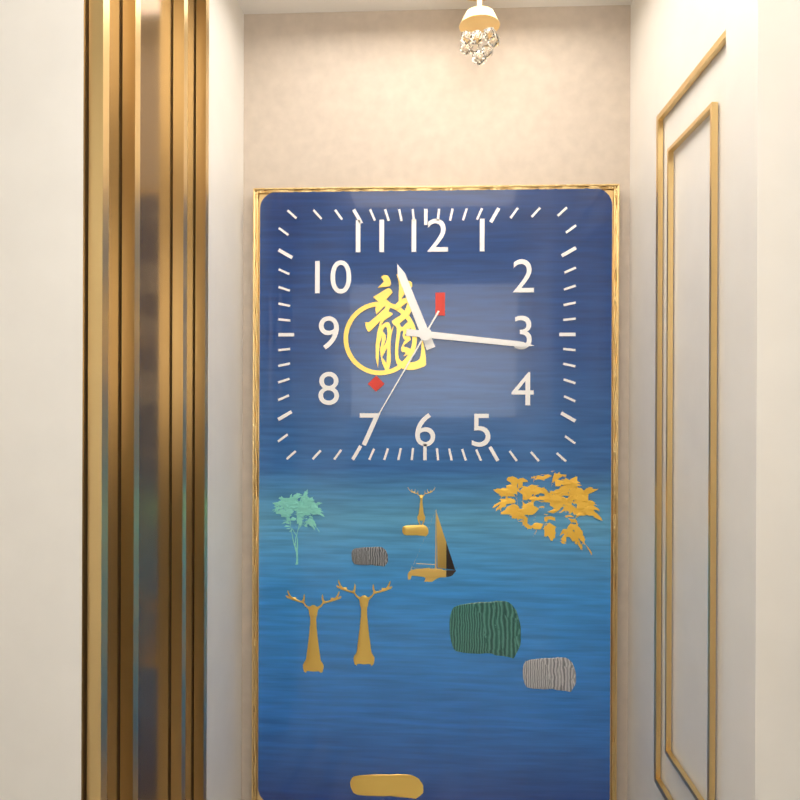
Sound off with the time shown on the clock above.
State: 11:16:35
